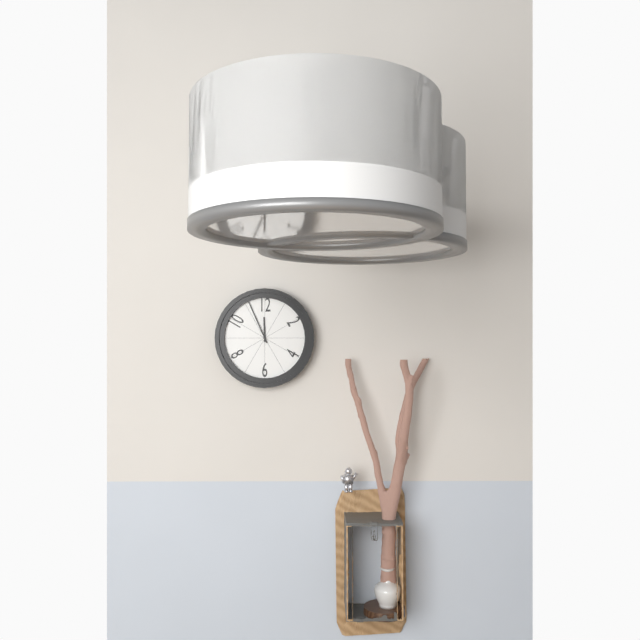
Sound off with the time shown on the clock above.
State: 11:56
